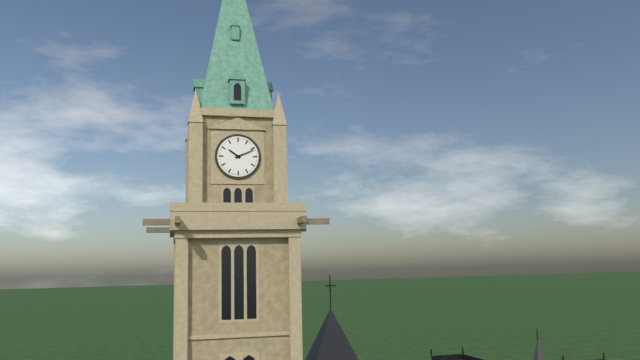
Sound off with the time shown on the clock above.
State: 10:11
